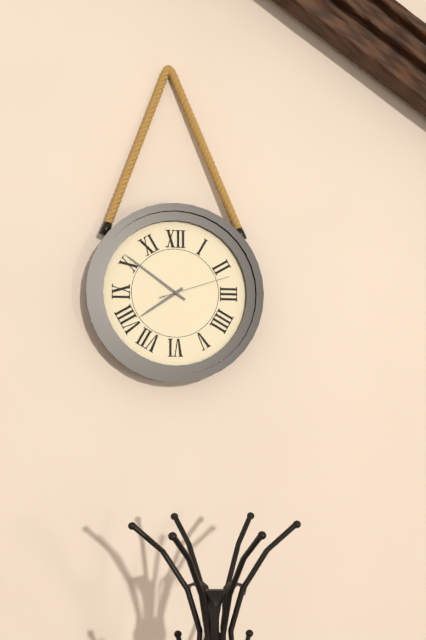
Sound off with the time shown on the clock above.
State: 7:51:12
